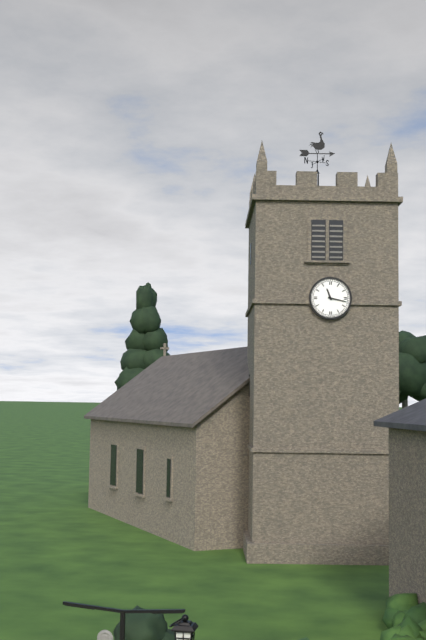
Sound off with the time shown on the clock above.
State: 11:17
